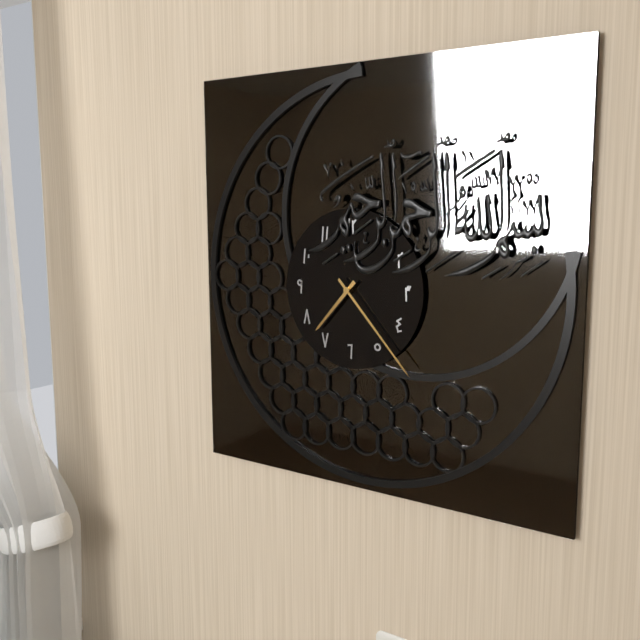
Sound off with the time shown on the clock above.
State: 7:23
